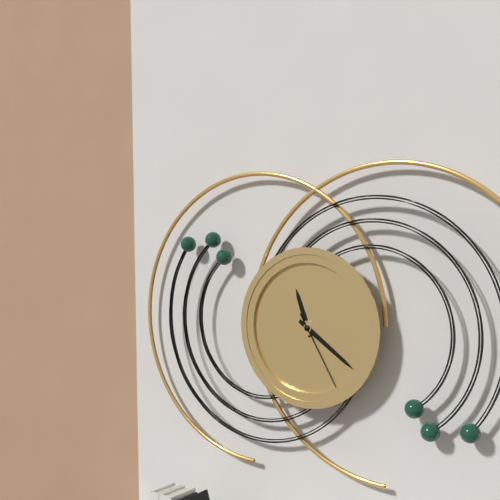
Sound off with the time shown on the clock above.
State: 11:21:25
